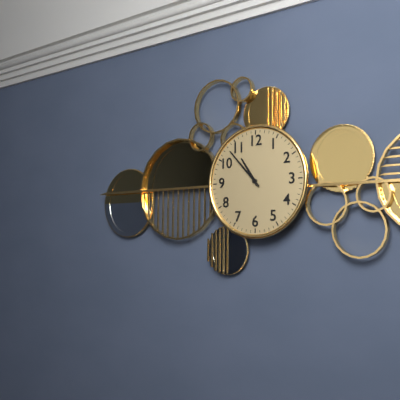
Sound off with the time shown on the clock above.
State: 10:53
